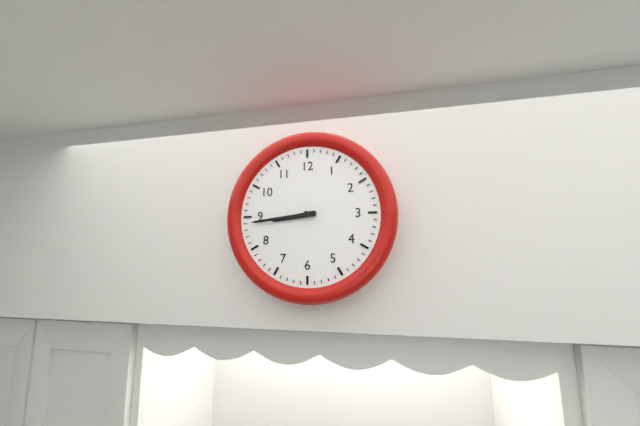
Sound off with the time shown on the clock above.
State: 8:44
